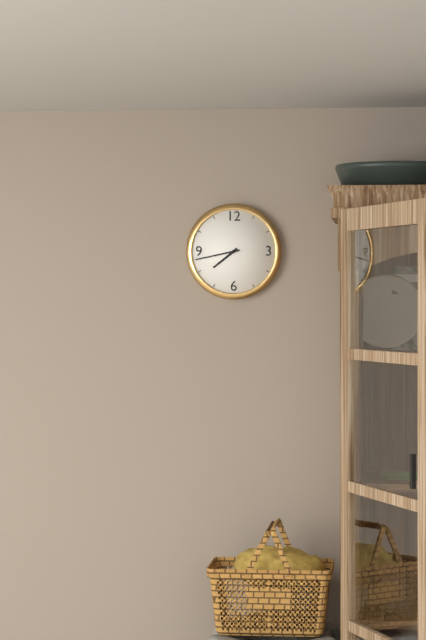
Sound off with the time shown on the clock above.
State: 7:43
